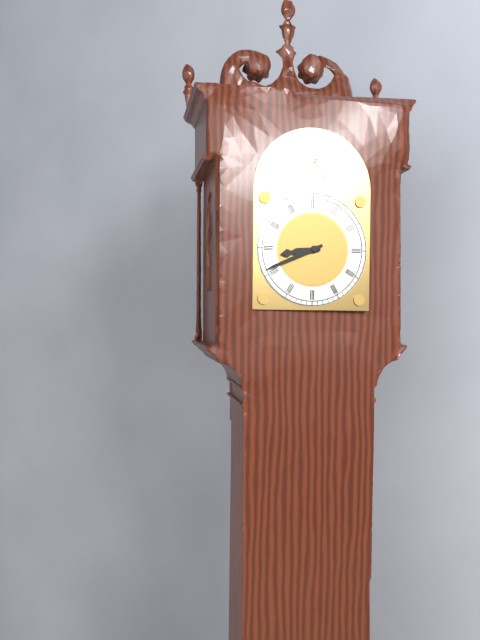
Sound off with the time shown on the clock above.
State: 8:41
